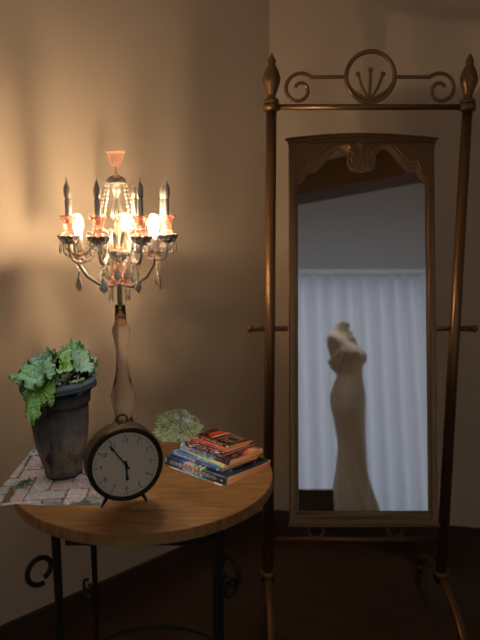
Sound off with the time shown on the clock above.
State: 5:54
